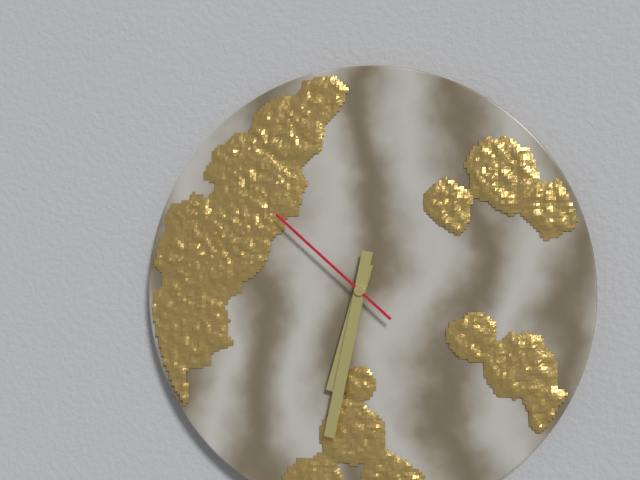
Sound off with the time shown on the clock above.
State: 6:32:52
